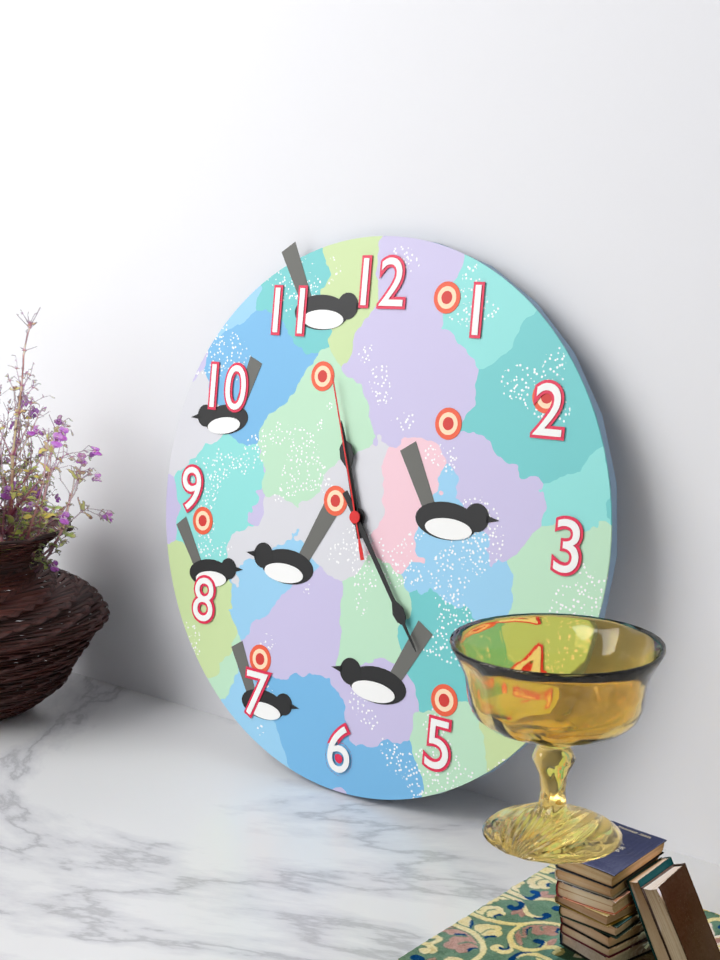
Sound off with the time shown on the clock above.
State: 11:24:57
